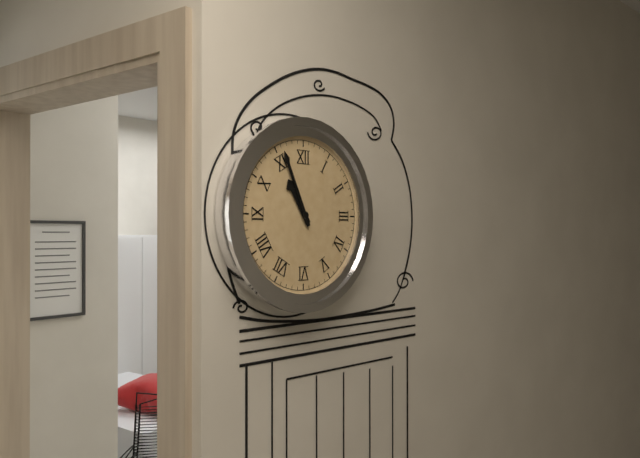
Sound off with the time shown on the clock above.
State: 10:56
